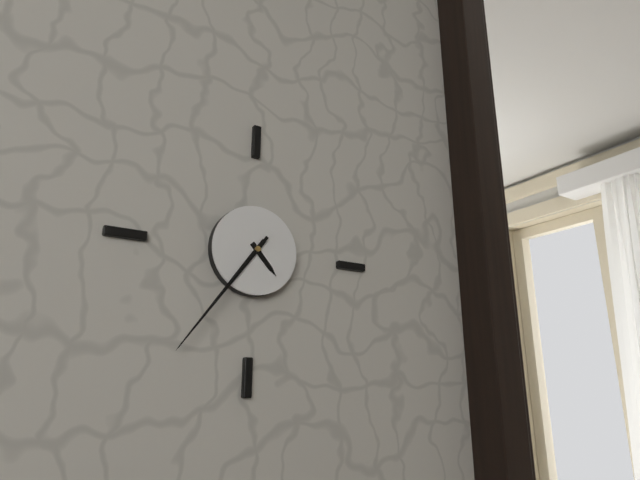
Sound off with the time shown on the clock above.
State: 4:36:36
